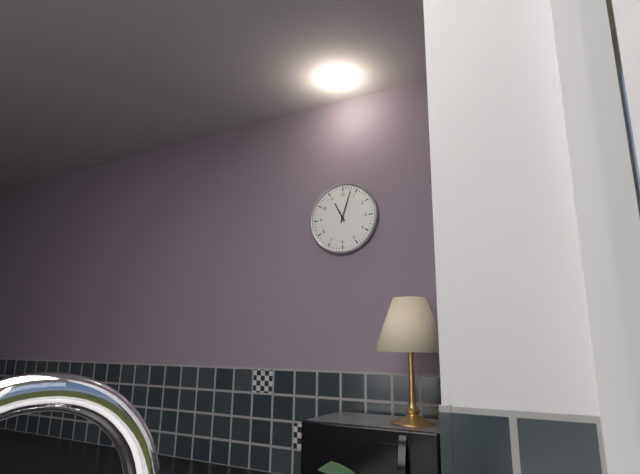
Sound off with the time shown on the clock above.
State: 11:03
